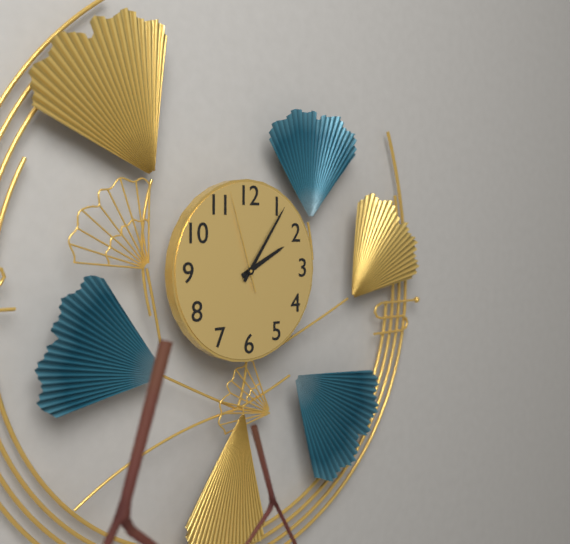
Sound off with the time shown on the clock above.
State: 2:06:57
